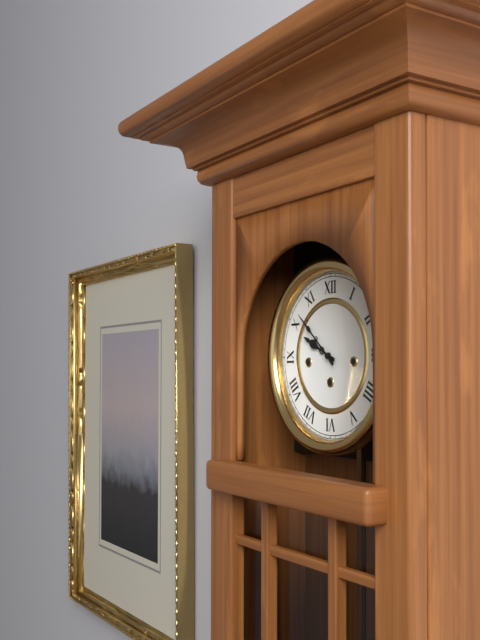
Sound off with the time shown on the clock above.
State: 9:52
